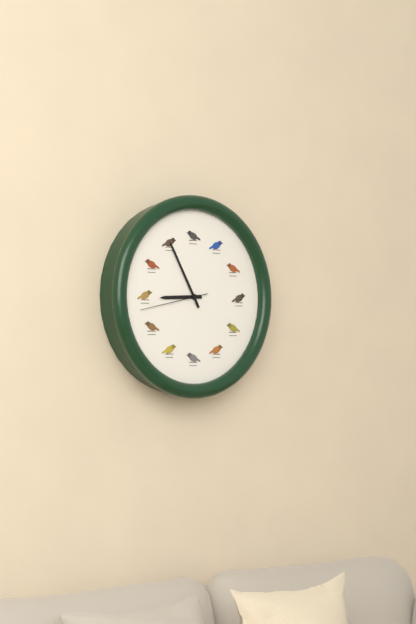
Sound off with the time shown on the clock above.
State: 8:55:43
